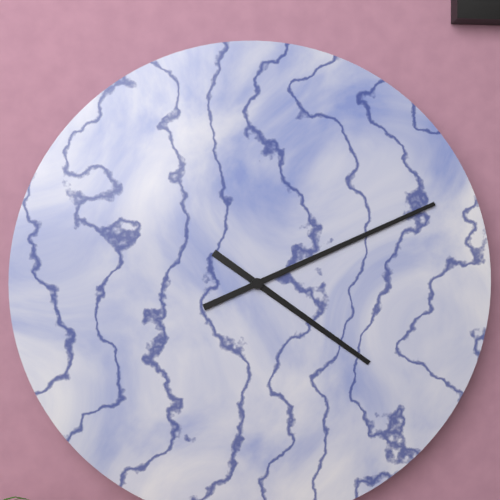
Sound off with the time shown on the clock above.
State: 4:11
